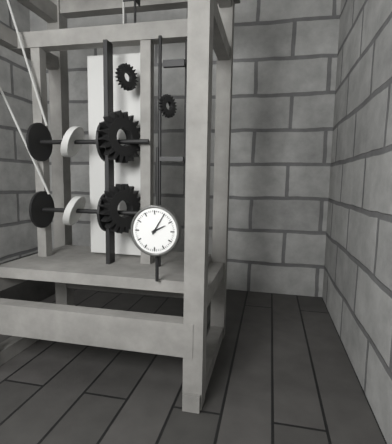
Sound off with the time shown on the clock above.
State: 2:05
